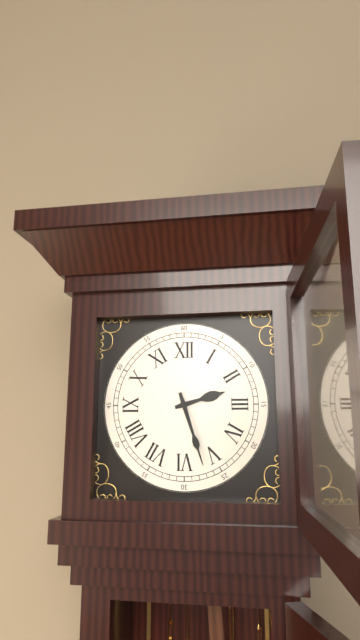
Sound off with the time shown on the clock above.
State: 2:27
